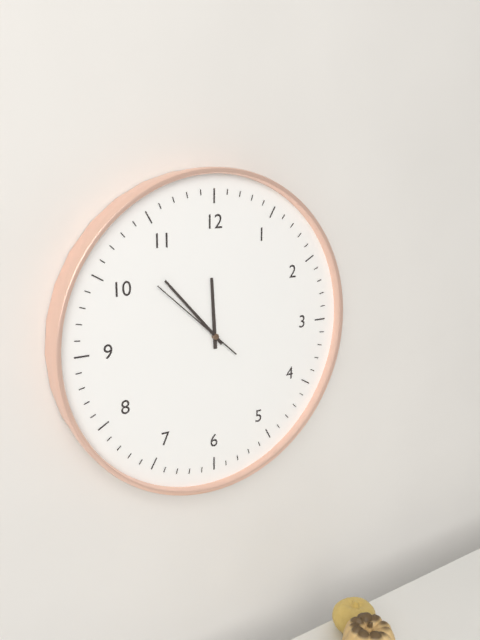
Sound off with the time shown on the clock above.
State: 11:53:52
